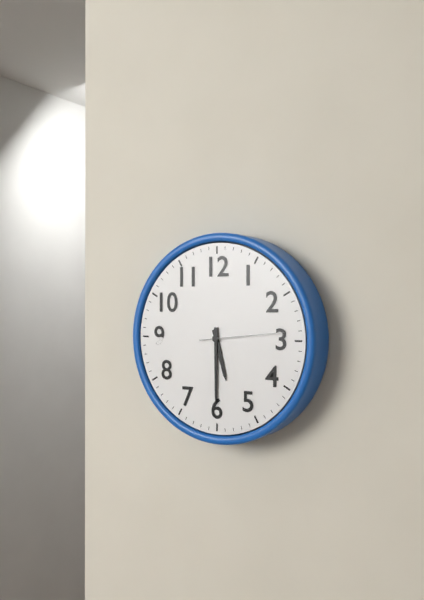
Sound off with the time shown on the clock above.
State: 5:30:14
